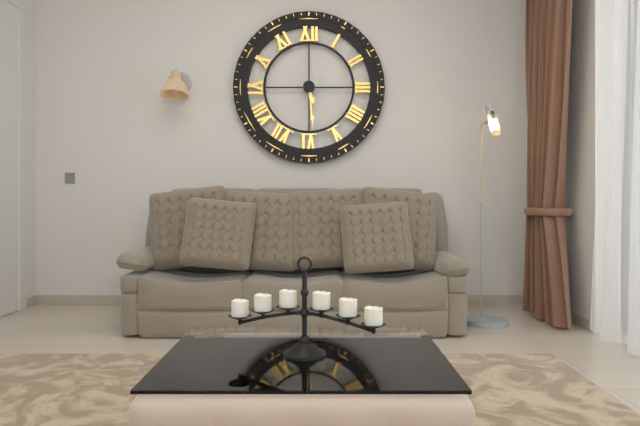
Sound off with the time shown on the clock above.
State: 5:29
